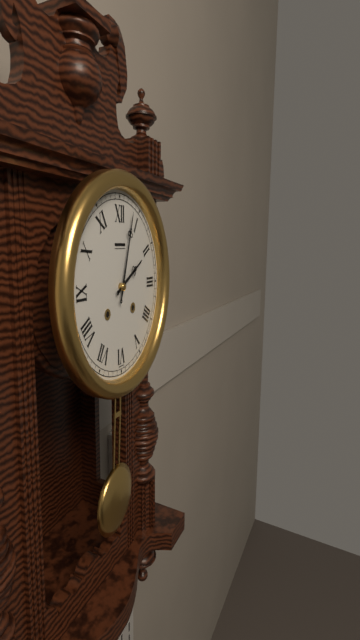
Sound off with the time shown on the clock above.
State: 2:03
